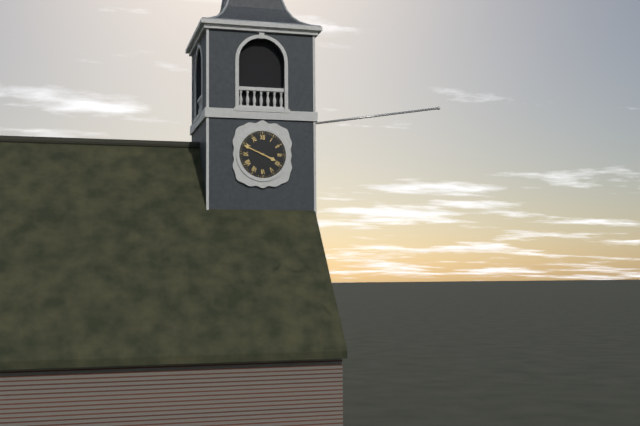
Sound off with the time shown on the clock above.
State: 3:49
